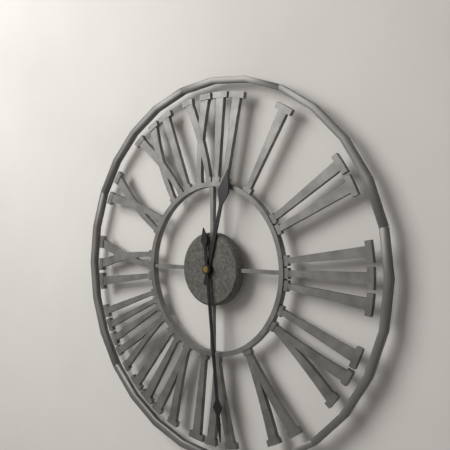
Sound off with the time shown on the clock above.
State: 12:29
